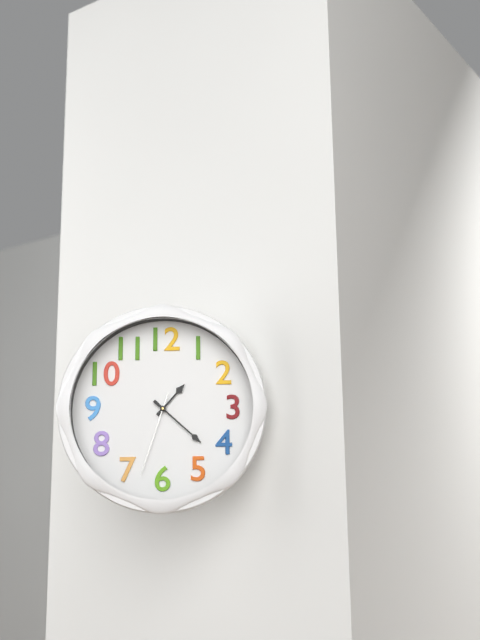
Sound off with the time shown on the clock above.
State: 1:22:33
